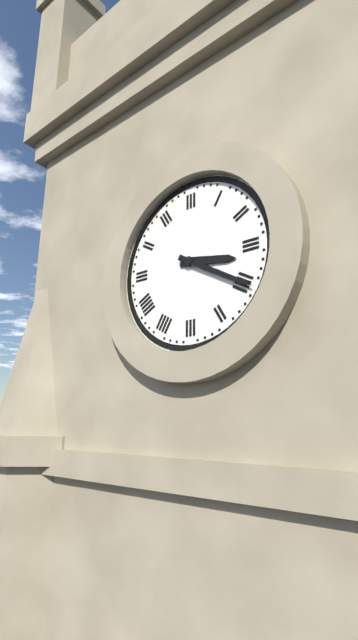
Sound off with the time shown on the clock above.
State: 3:20
